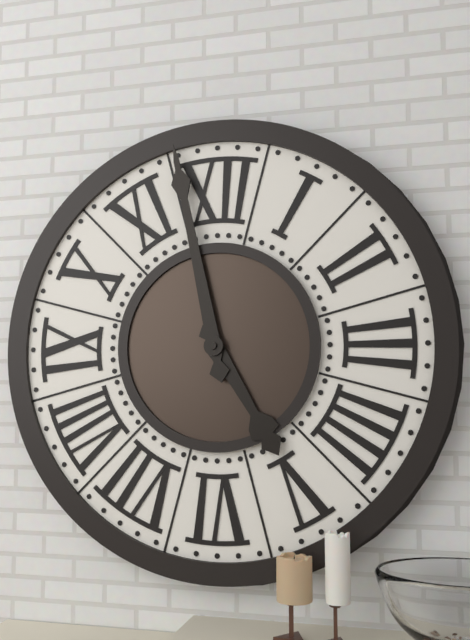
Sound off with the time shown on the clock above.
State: 4:58
